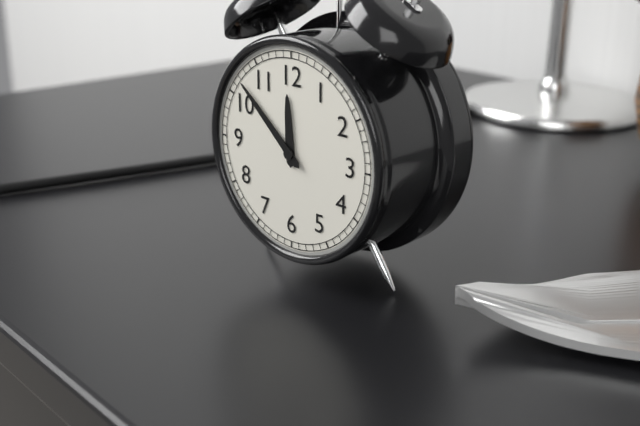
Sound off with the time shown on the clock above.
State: 11:52
